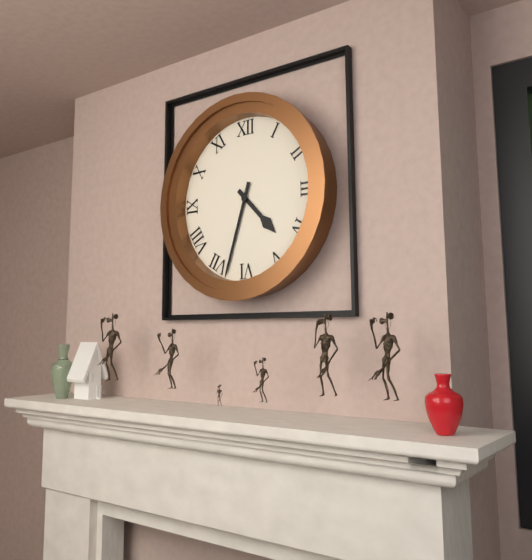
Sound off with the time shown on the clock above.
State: 4:33
